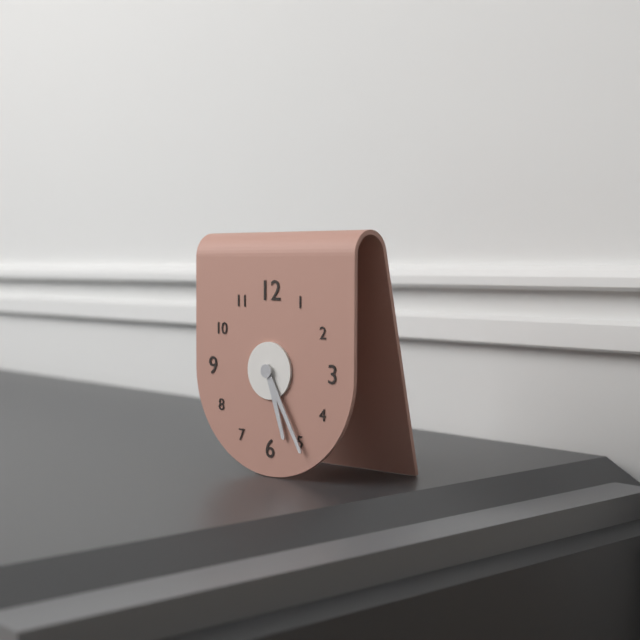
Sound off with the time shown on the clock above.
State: 5:25
